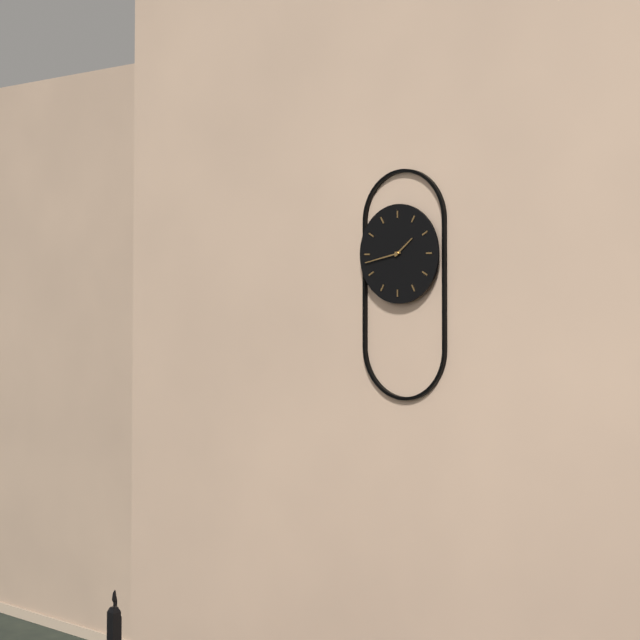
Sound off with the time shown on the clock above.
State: 1:43
